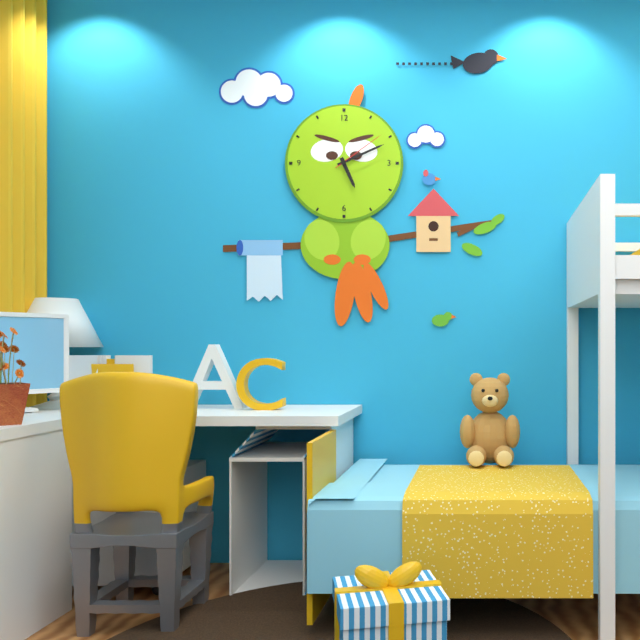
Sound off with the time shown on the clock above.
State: 5:11:09
